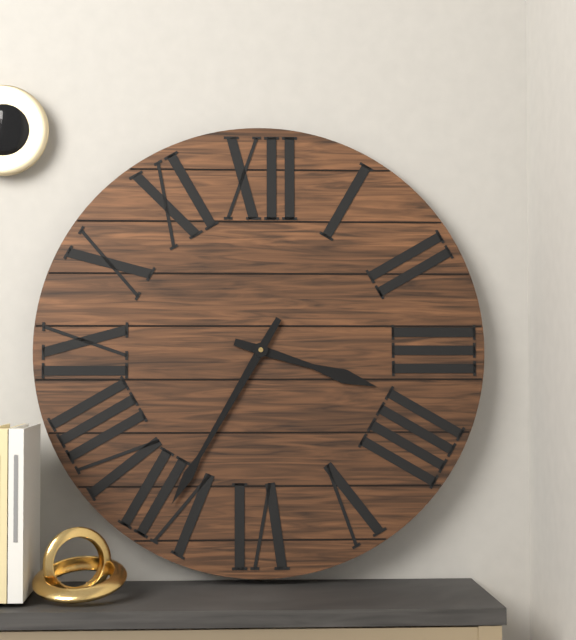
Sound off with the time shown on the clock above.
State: 3:35
